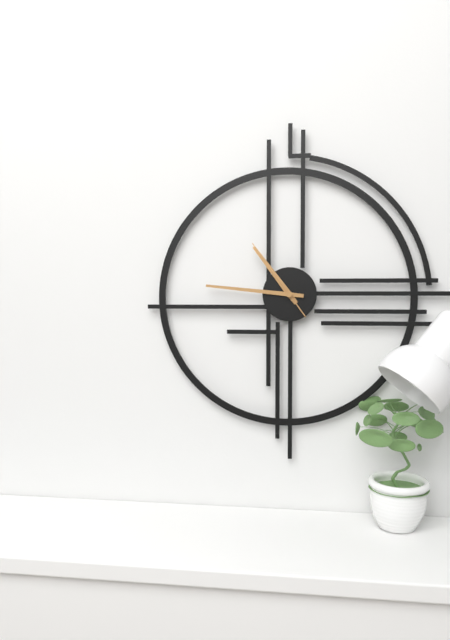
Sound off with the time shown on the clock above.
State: 10:46:54
